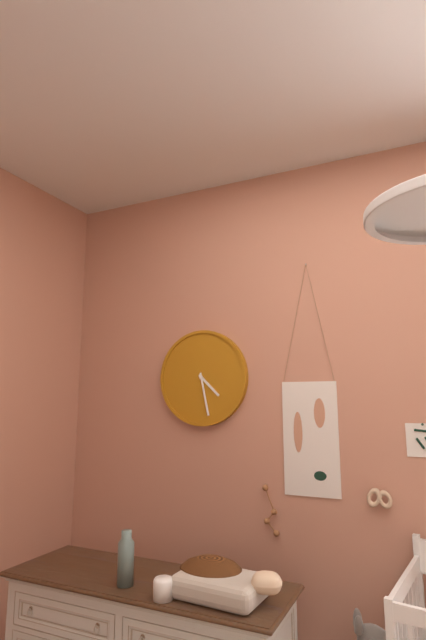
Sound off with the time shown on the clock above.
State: 4:28
